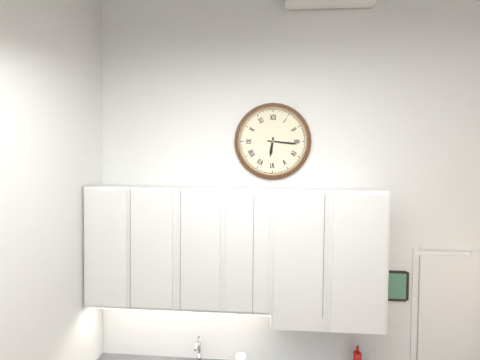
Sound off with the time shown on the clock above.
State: 6:16
